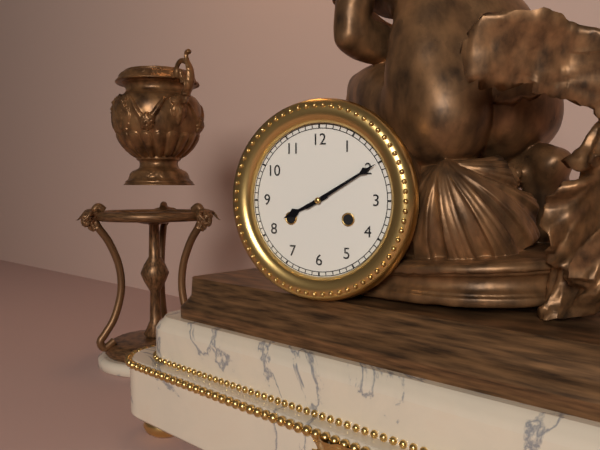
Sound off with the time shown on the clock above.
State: 8:10
